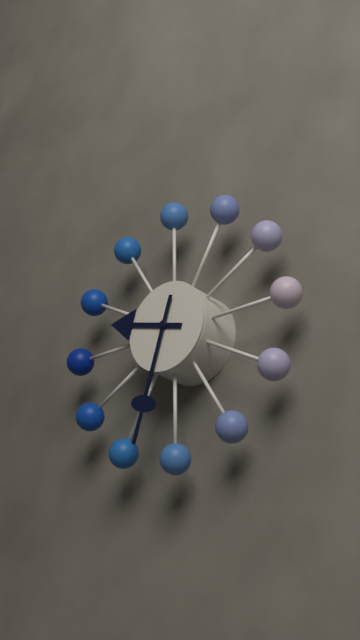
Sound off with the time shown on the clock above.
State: 9:33
